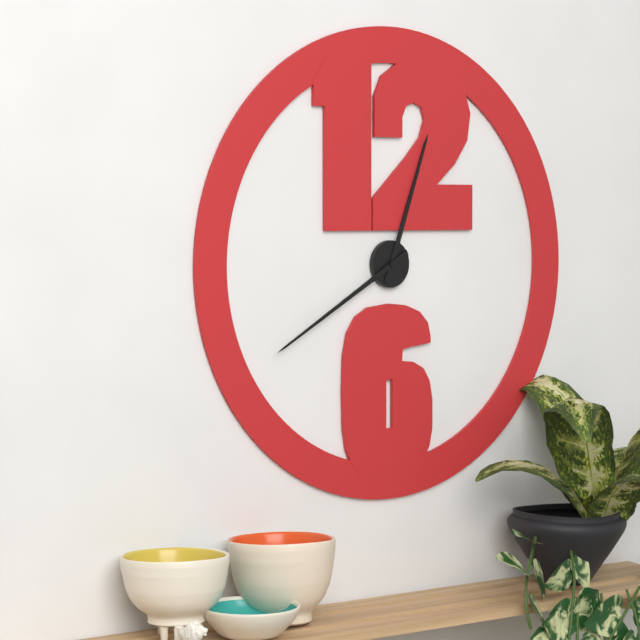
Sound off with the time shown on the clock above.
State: 12:40
